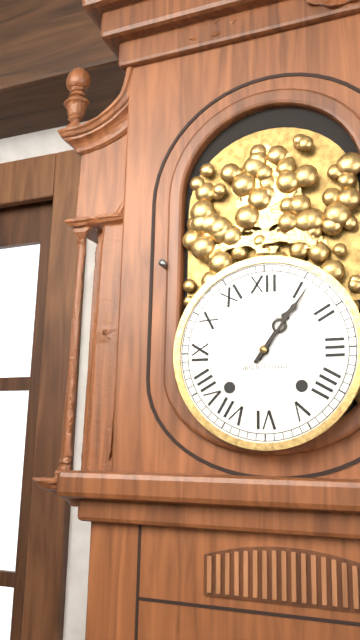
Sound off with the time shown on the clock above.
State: 1:06
